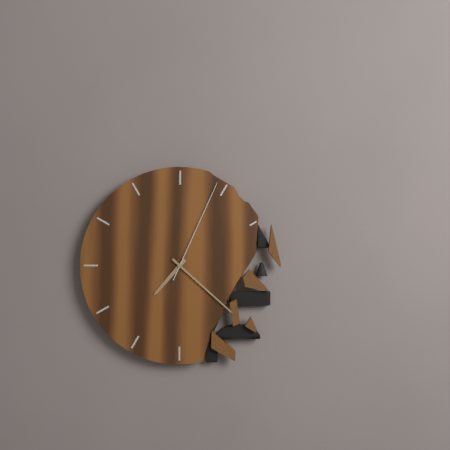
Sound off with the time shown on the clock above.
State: 7:22:04
